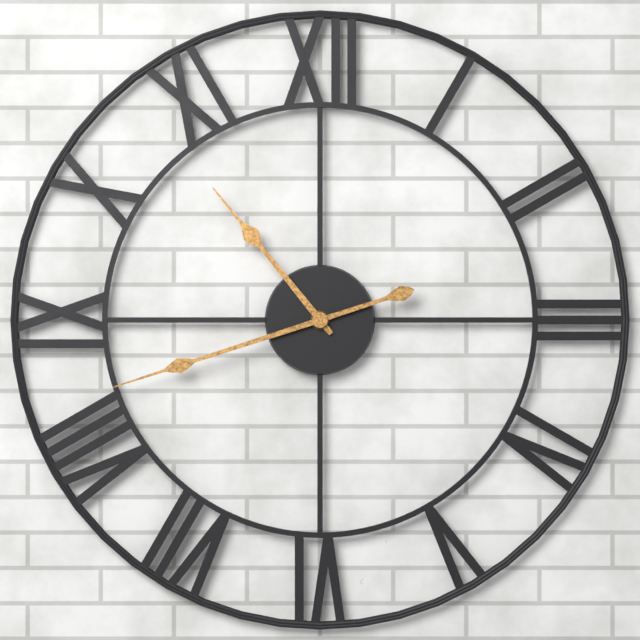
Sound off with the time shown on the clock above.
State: 10:42
